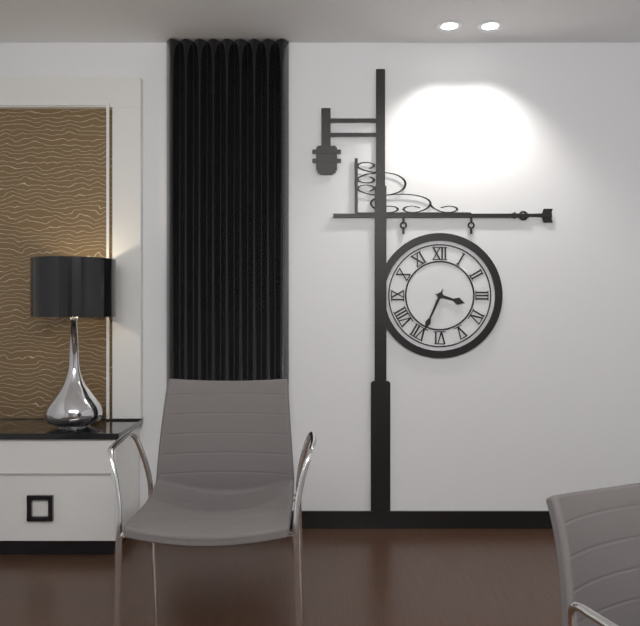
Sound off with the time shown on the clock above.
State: 3:34
